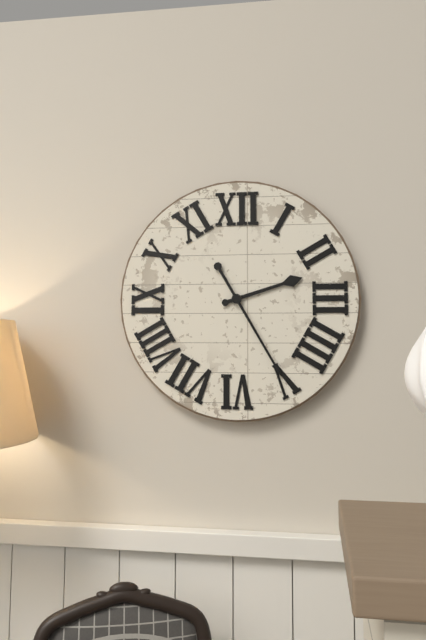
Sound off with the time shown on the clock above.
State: 2:25
